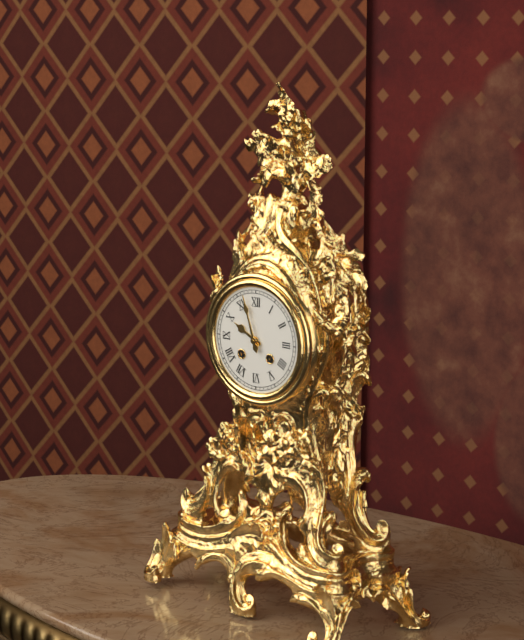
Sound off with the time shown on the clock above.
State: 9:57
